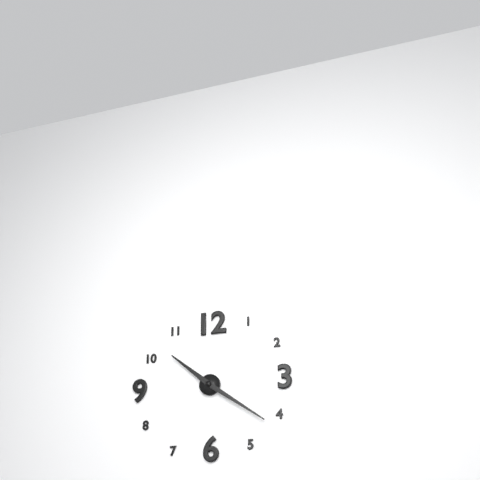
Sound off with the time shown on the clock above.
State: 10:21
